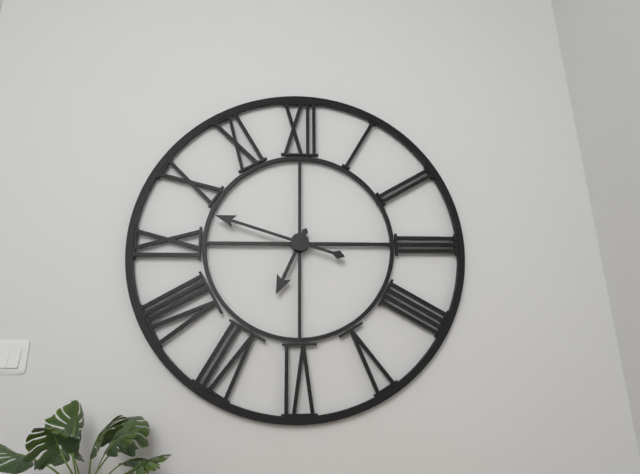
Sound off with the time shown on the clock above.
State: 6:48
